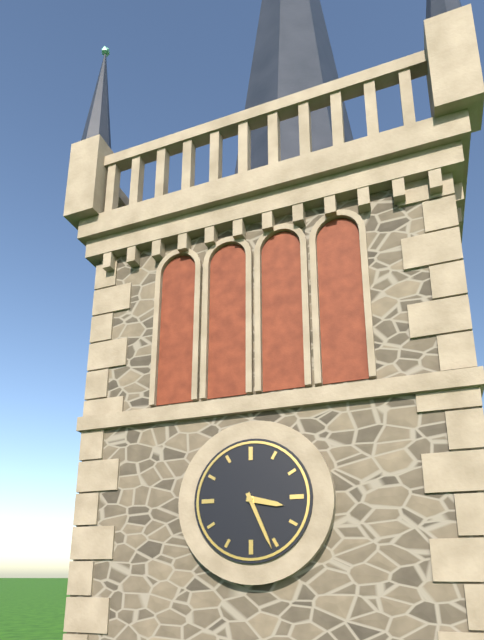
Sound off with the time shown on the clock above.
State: 3:26
